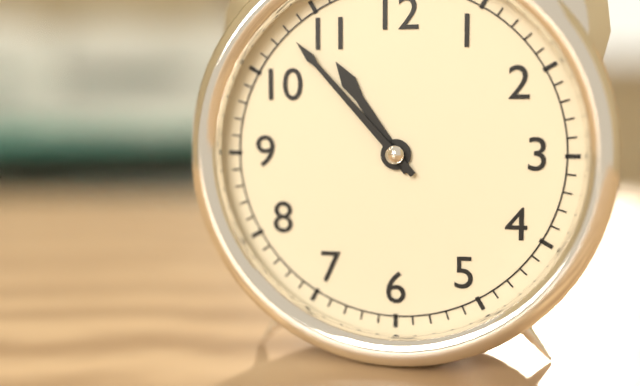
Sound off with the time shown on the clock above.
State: 10:53
